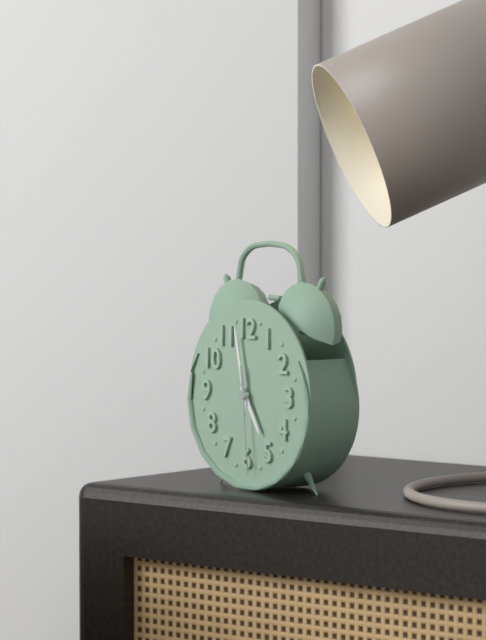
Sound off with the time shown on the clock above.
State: 4:58:29
